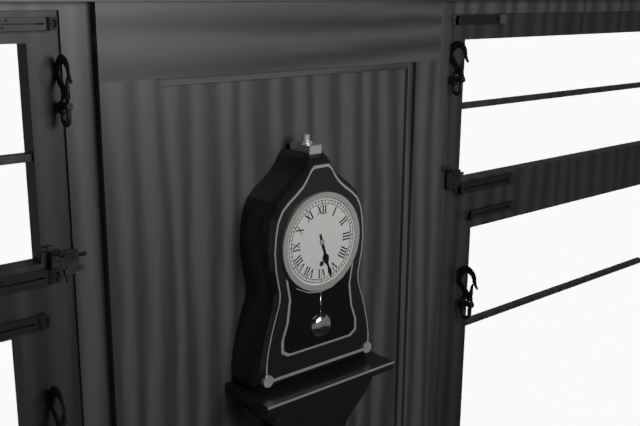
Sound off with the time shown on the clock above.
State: 5:27
